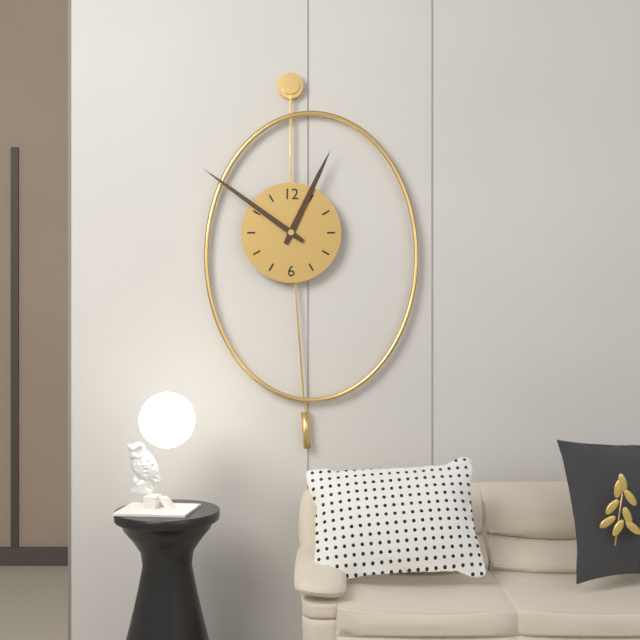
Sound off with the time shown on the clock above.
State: 12:51
